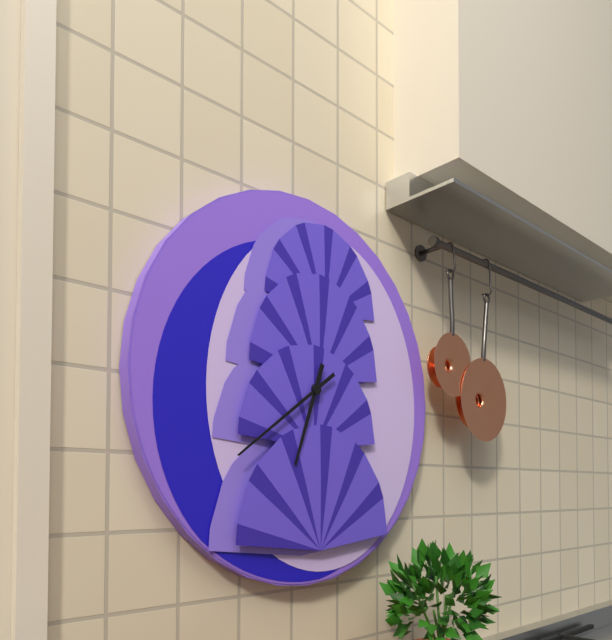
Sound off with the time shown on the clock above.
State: 6:39
